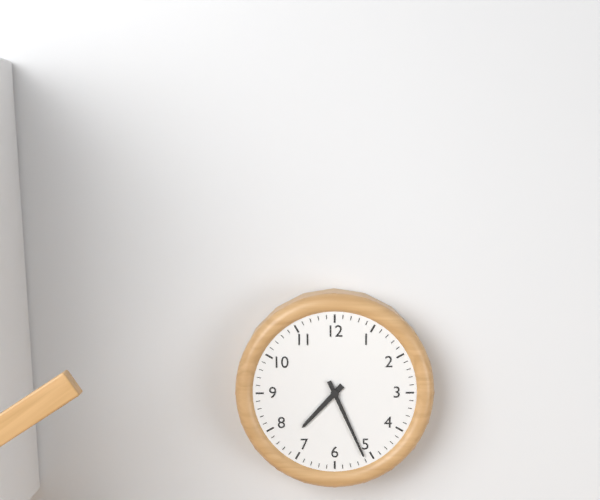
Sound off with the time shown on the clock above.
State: 7:26
